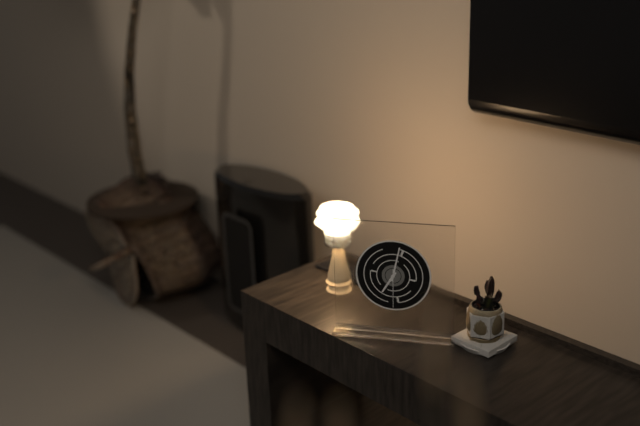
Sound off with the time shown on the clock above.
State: 7:02
